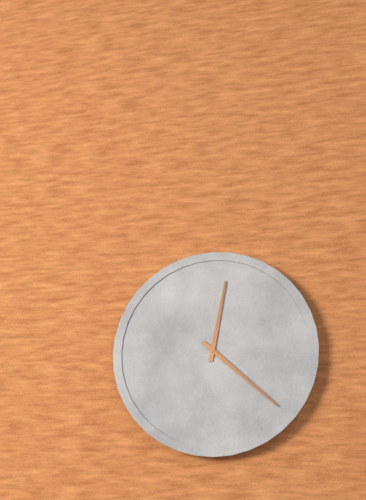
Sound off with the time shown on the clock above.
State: 12:22
